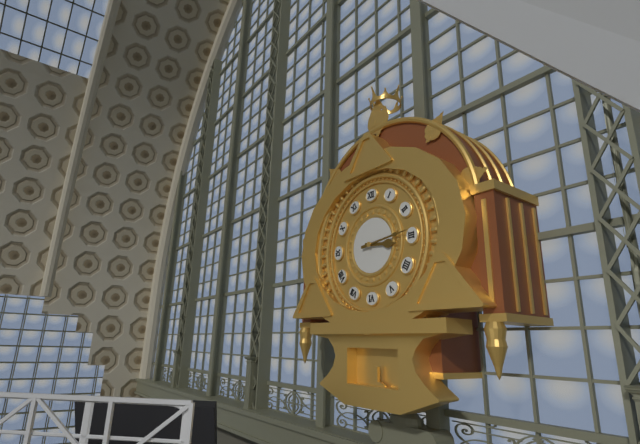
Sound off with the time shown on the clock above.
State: 3:14
